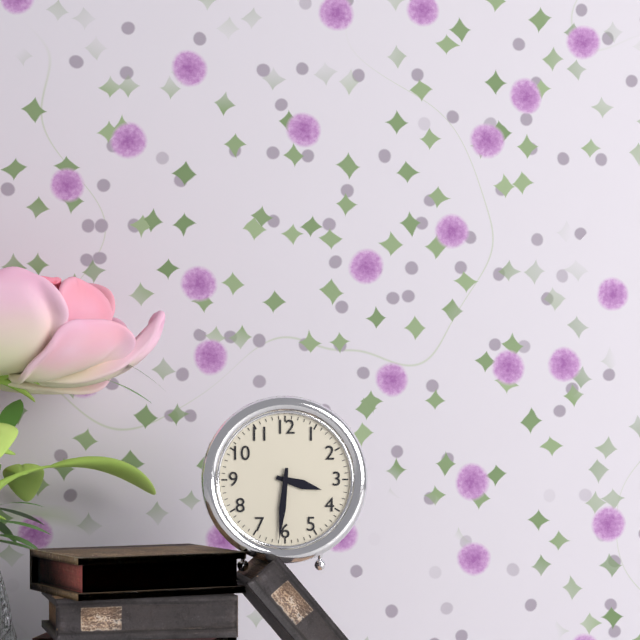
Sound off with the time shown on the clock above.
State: 3:31
